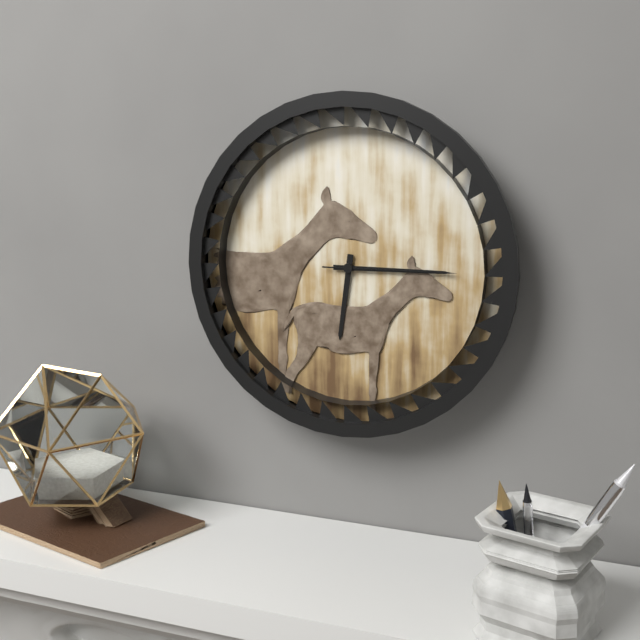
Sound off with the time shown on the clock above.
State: 6:15:15
